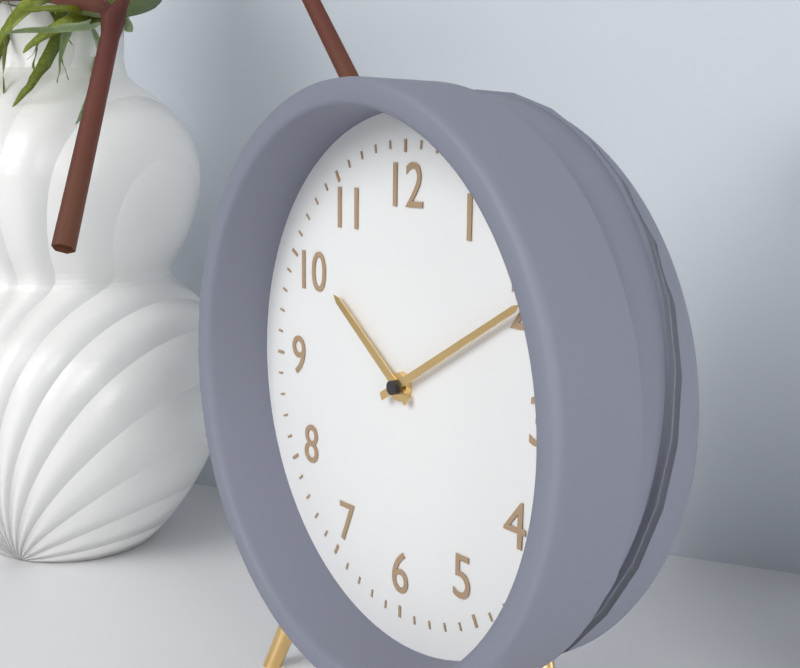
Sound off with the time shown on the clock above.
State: 10:10
